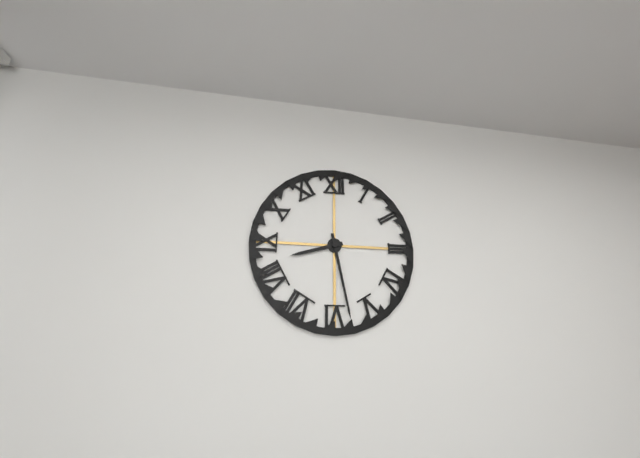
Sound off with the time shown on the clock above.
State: 8:28
